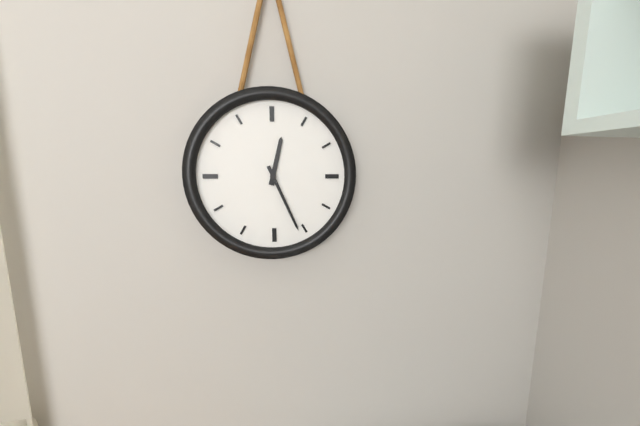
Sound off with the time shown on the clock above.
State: 12:26
